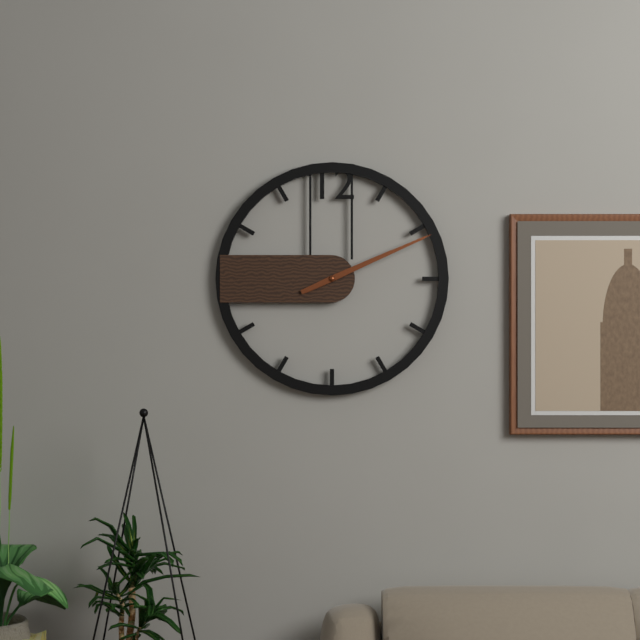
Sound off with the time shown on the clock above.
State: 2:11
